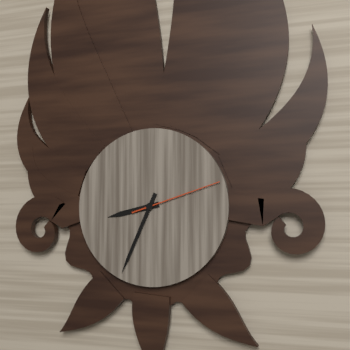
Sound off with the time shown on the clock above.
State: 8:34:12
